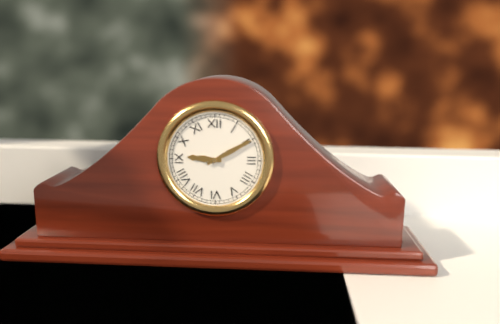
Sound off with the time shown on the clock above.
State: 9:10
